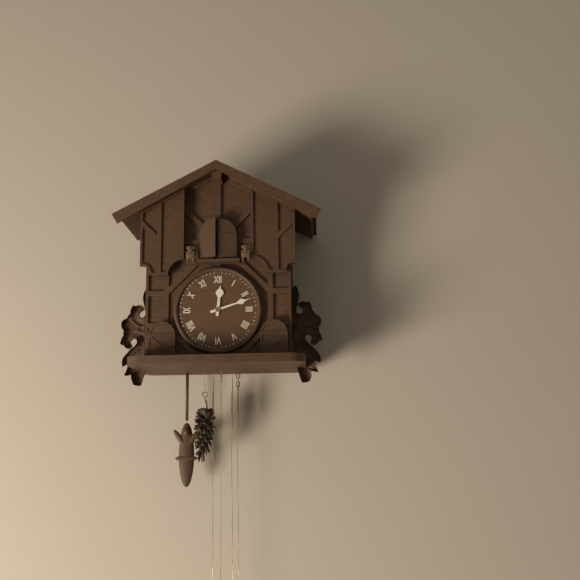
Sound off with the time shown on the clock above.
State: 12:12
